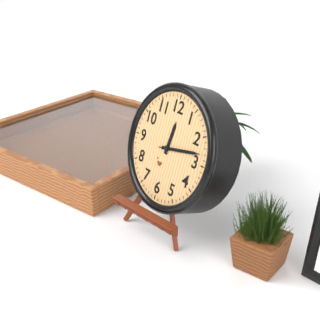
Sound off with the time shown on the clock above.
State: 12:13
